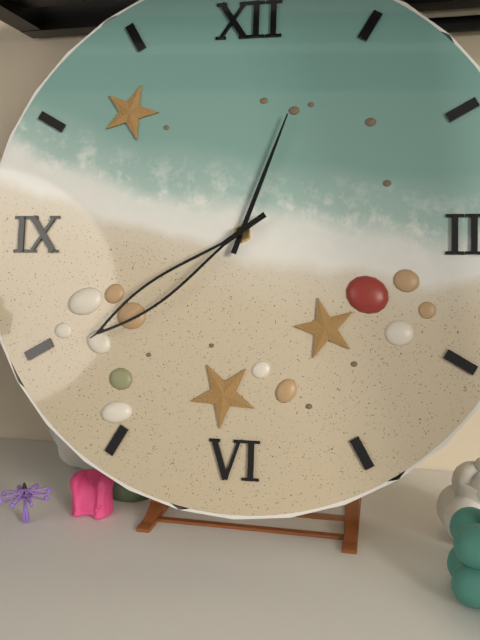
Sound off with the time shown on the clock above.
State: 12:39
